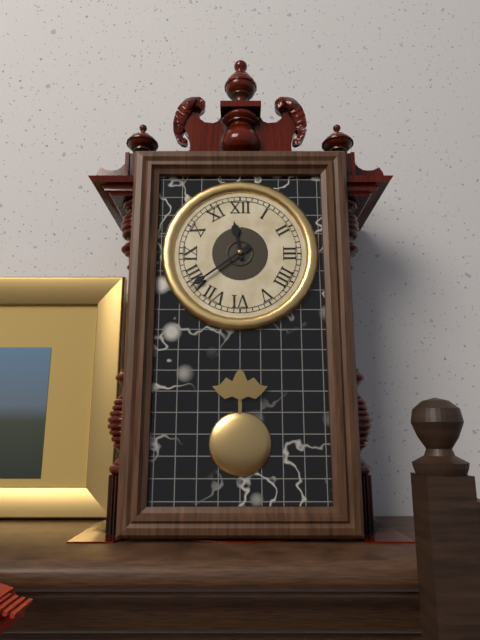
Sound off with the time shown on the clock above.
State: 11:39
